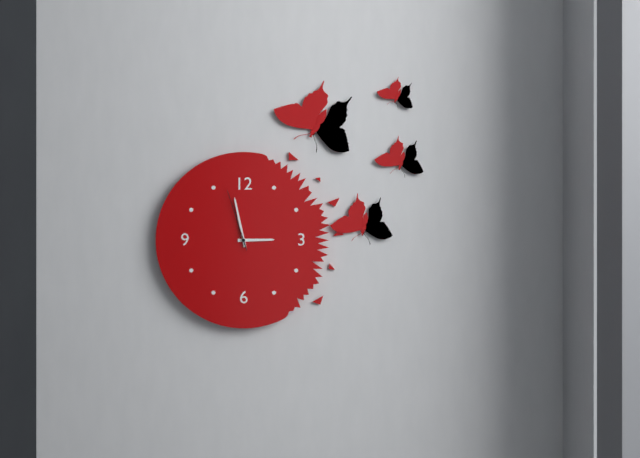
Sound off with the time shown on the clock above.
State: 2:58:57
